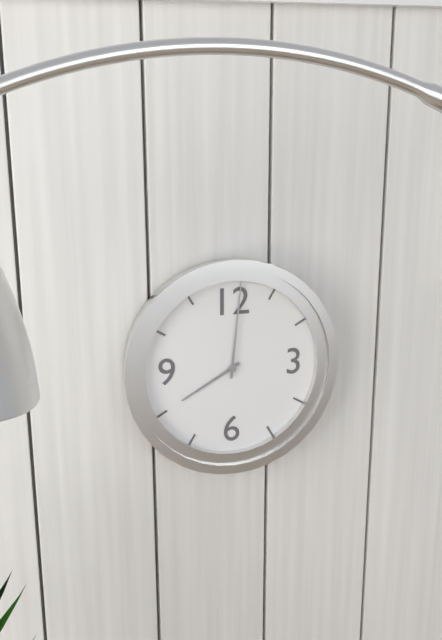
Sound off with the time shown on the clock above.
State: 8:01
